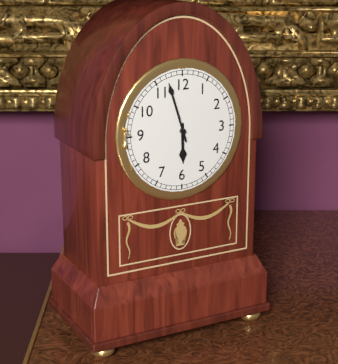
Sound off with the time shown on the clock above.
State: 5:57
